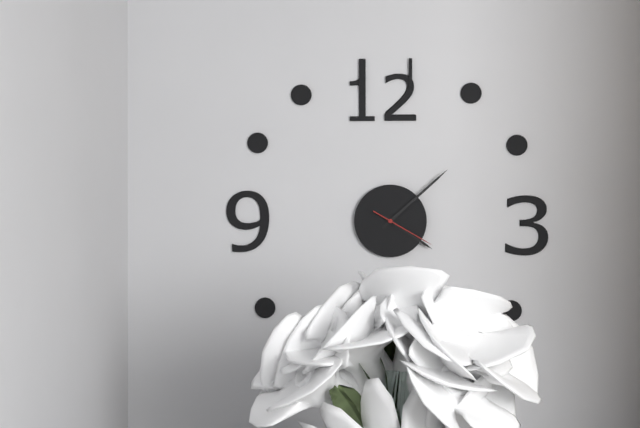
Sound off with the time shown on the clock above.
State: 4:08:20
